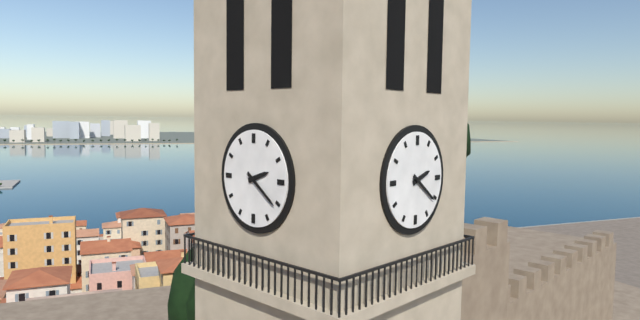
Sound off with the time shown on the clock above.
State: 2:21
